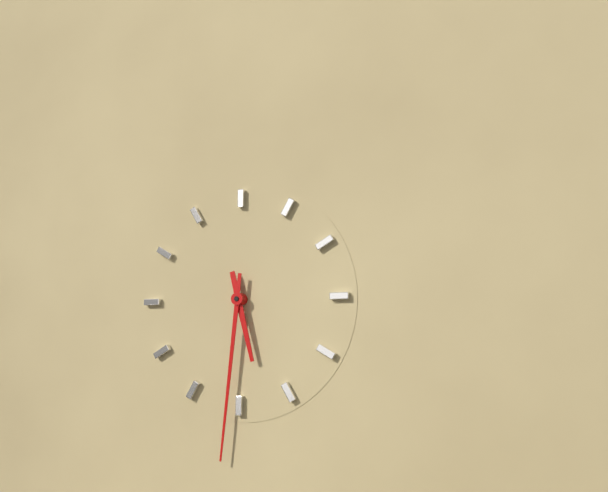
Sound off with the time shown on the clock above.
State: 5:31
